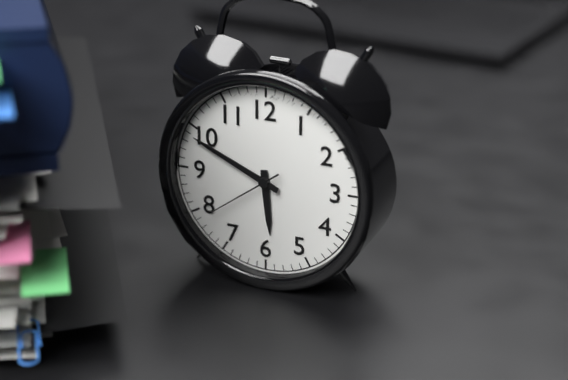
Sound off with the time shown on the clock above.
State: 5:49:39
